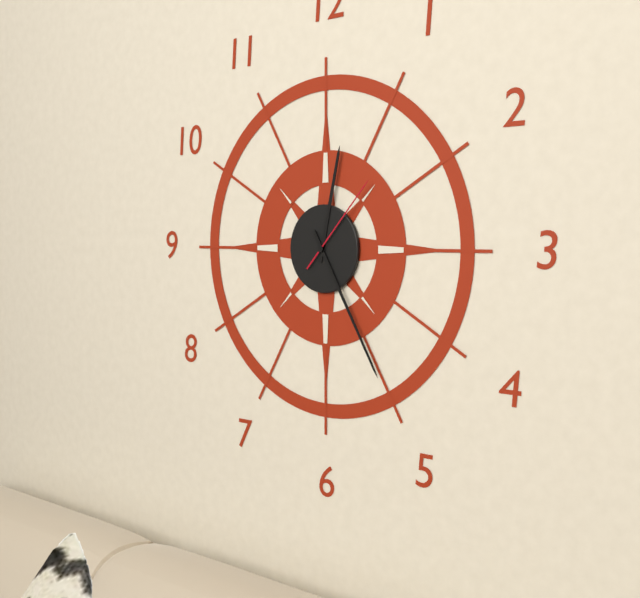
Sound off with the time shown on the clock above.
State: 12:25:07
